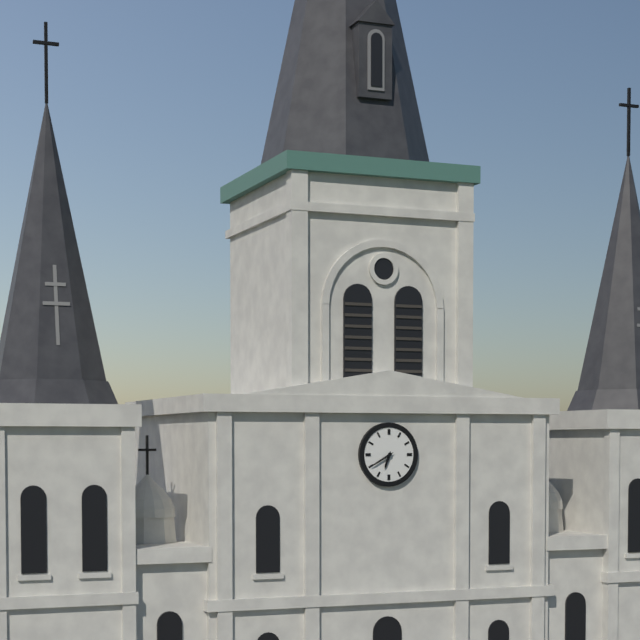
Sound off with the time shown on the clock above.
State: 6:40
